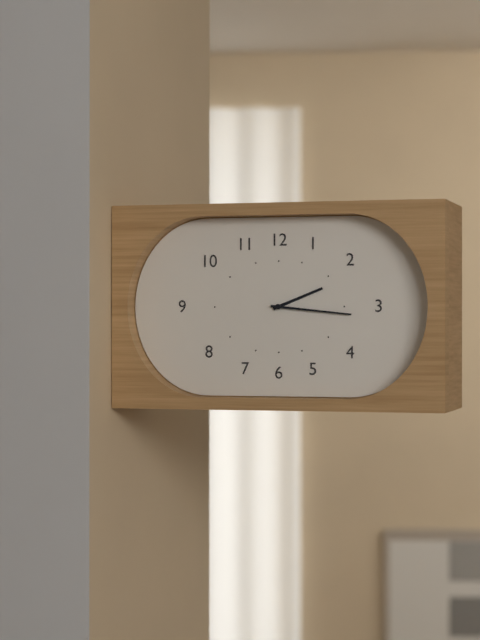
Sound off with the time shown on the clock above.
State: 2:16
